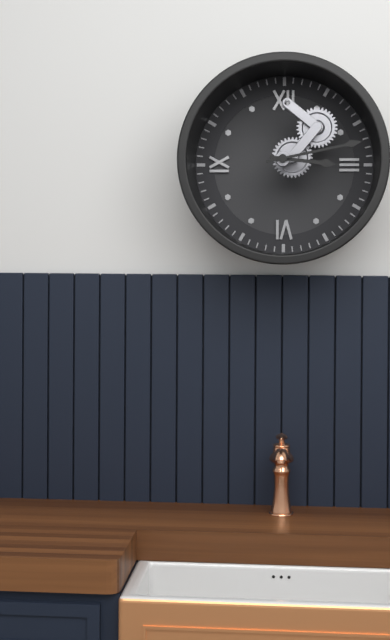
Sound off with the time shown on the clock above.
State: 3:13
